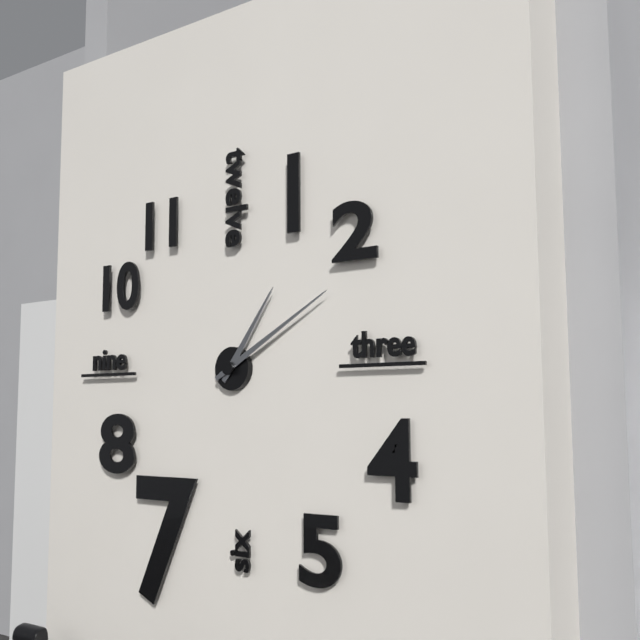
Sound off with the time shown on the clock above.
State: 1:10
